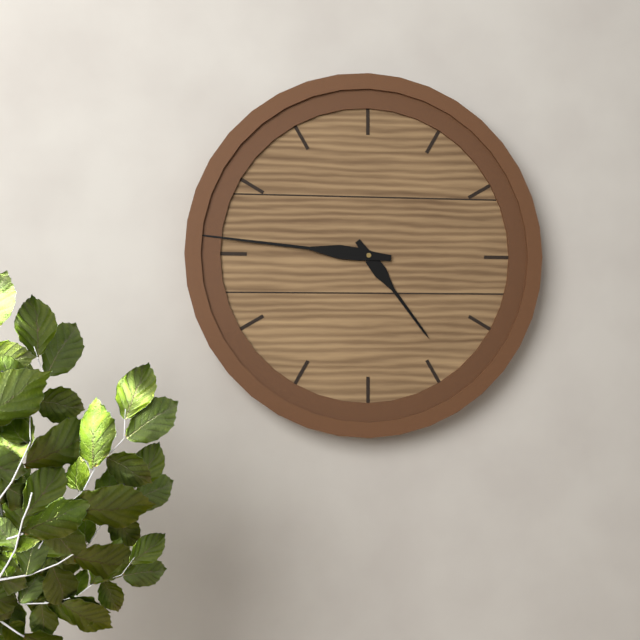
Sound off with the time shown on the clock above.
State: 4:46
